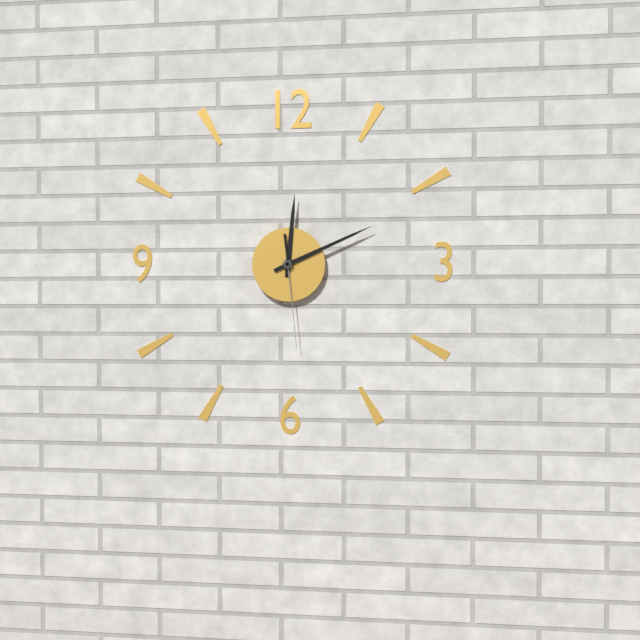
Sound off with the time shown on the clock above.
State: 12:11:29
